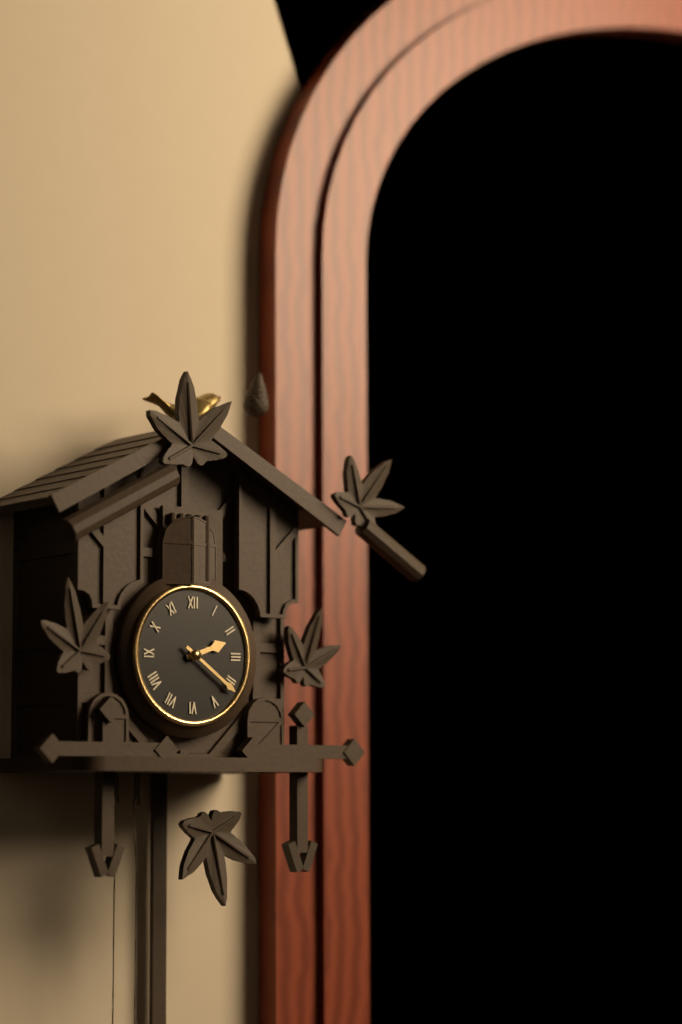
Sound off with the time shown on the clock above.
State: 2:21
